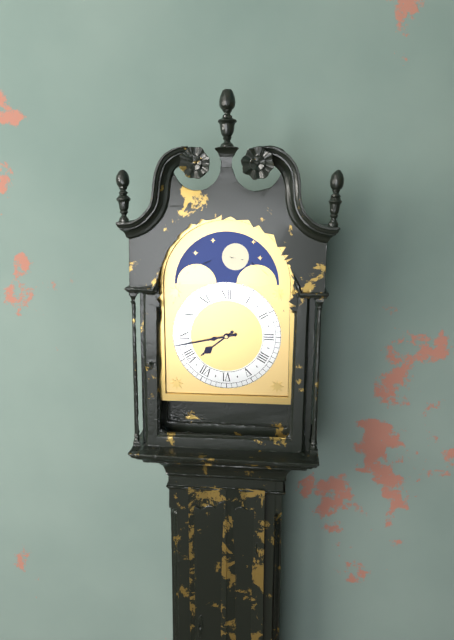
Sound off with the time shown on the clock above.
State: 7:43
